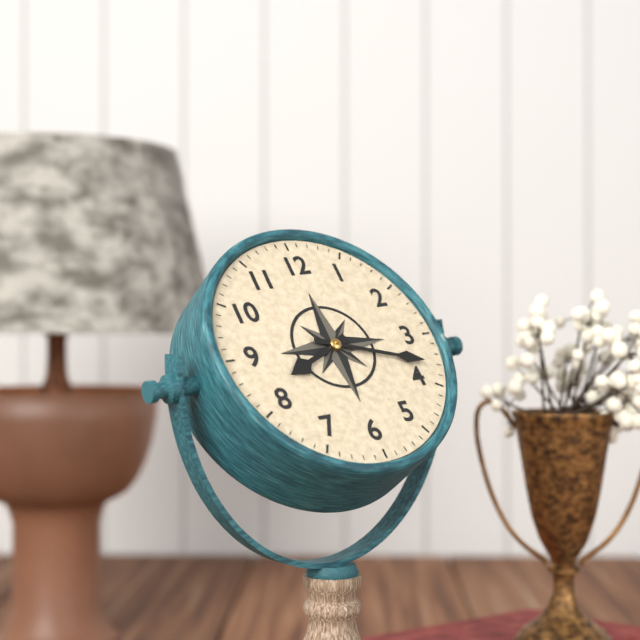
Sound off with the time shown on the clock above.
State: 8:18
